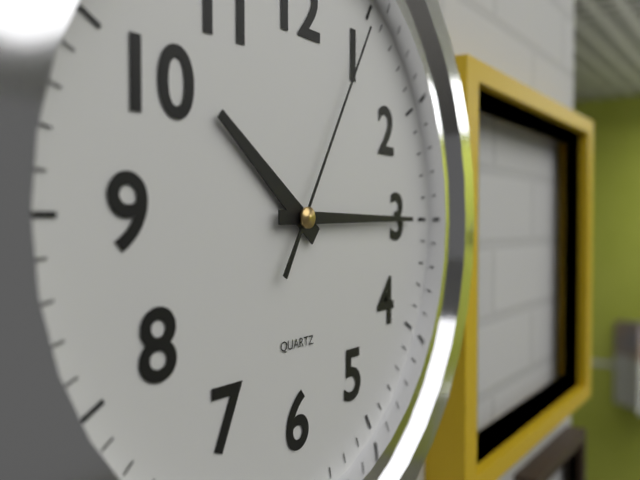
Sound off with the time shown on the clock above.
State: 10:15:05
